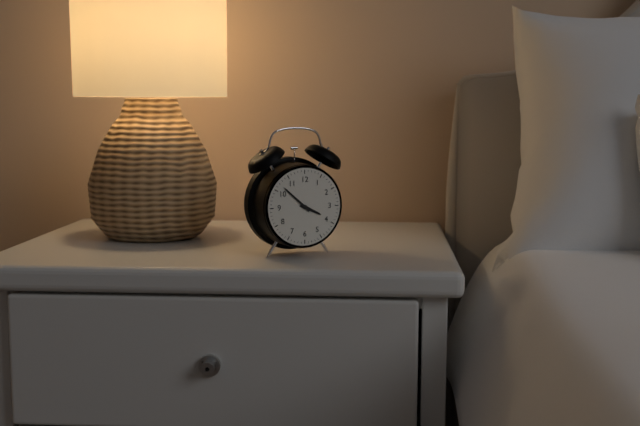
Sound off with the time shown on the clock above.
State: 3:52
